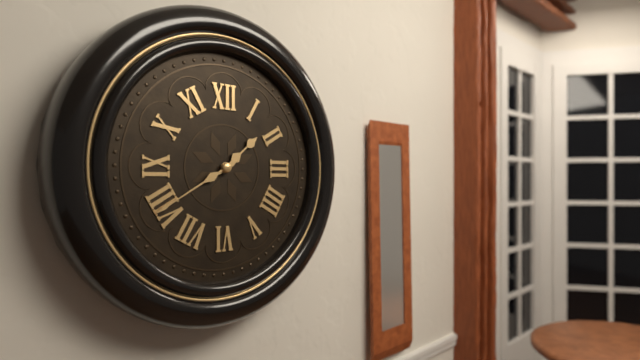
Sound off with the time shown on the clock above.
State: 1:40
